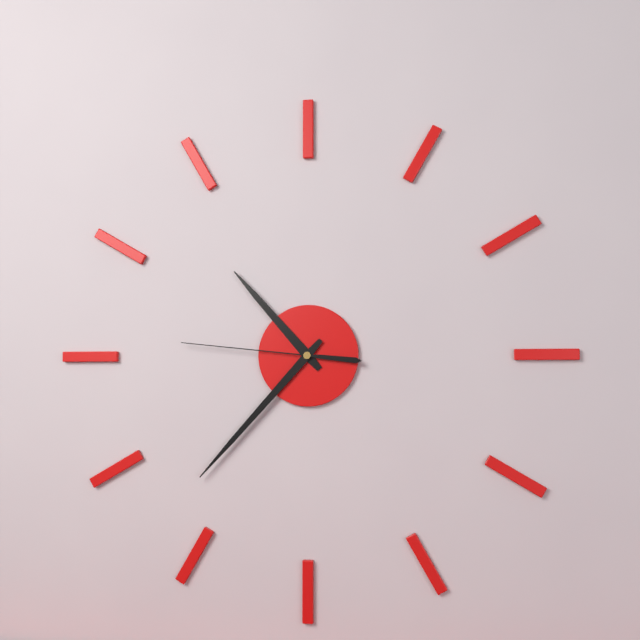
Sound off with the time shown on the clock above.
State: 10:37:46
